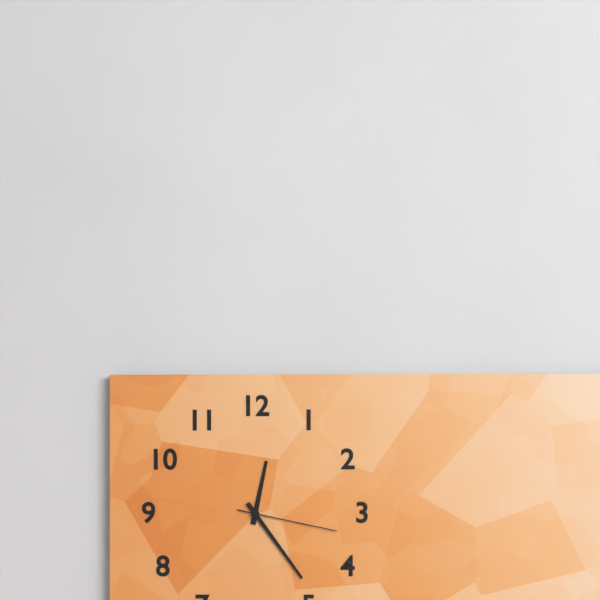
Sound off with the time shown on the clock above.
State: 12:24:17
